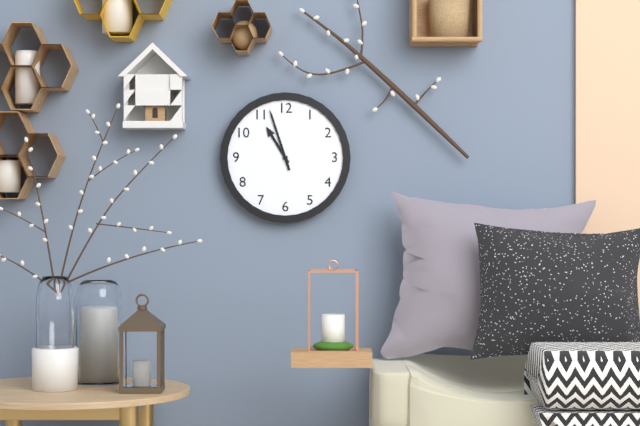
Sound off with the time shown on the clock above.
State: 10:57
